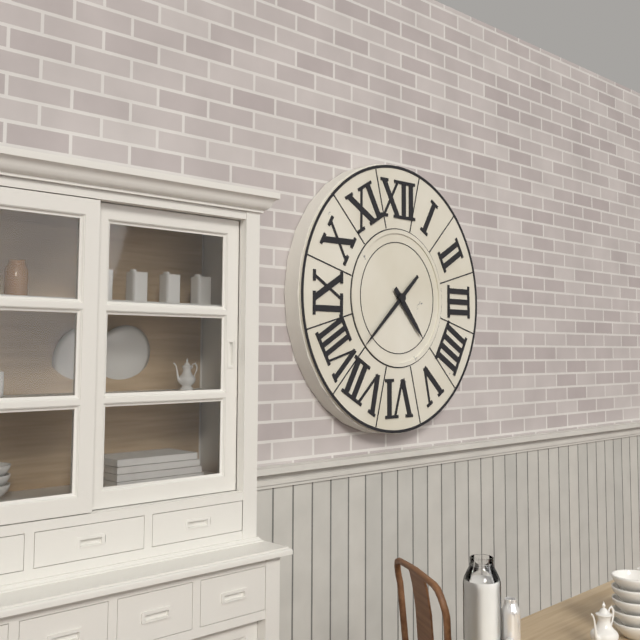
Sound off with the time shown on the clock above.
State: 4:38
